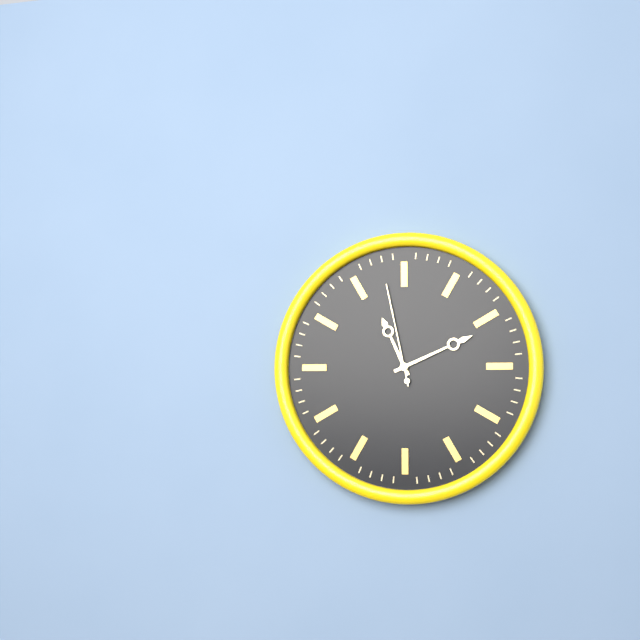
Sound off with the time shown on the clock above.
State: 11:11:58
